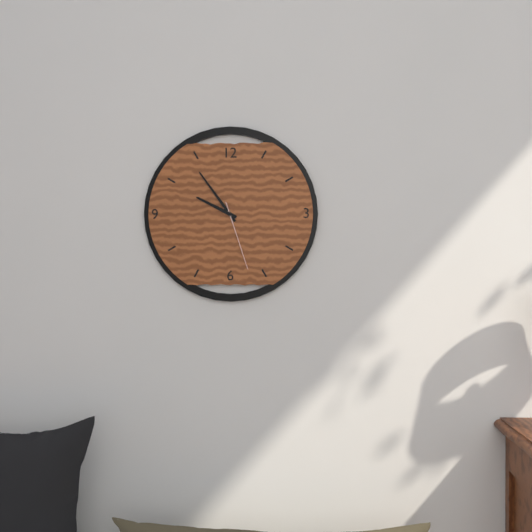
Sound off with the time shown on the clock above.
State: 9:54:27
